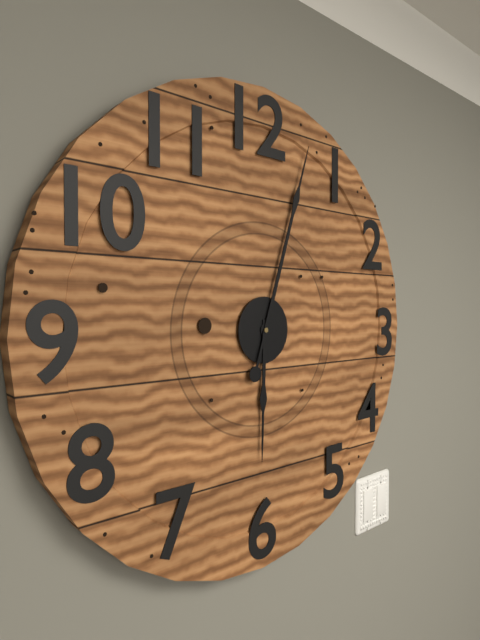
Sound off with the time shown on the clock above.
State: 6:03
